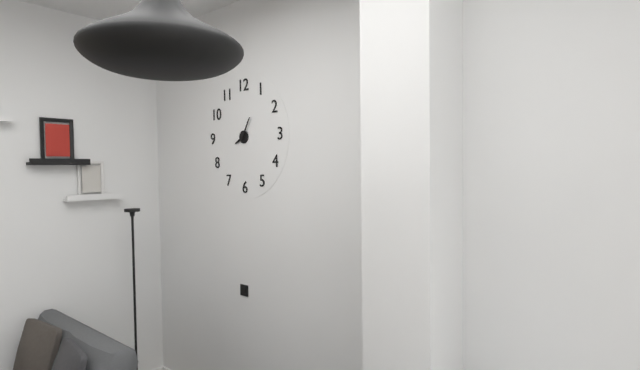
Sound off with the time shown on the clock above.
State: 8:05
